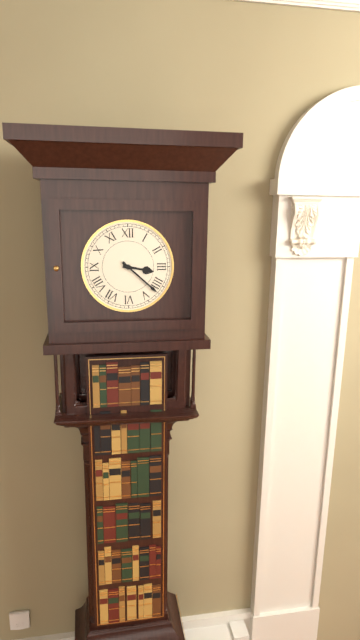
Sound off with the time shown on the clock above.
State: 3:22
